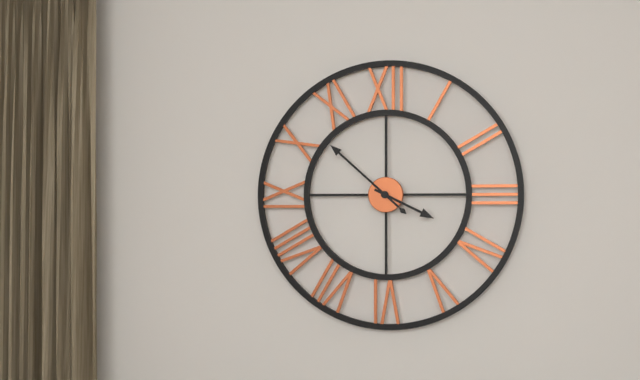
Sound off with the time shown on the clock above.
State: 3:52
